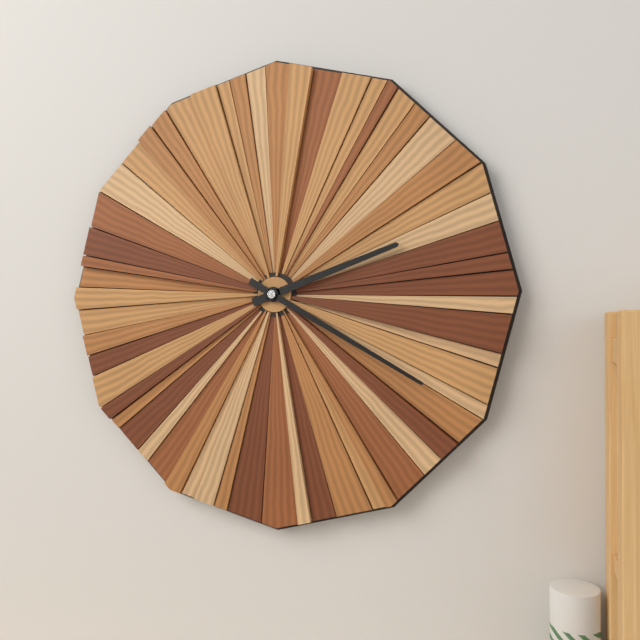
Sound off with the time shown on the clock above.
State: 2:20
